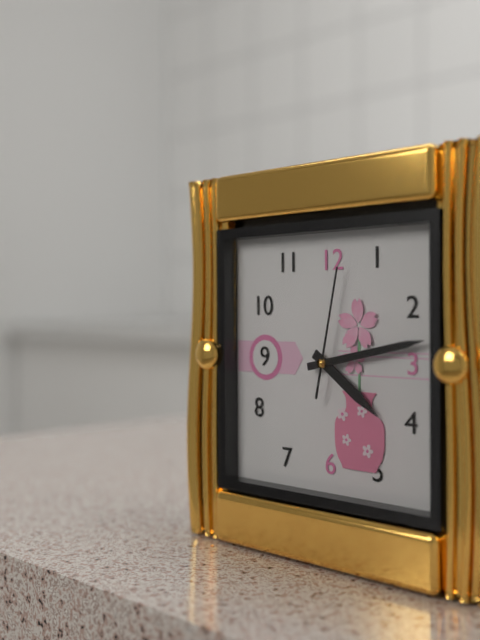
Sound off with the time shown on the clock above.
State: 4:13:02
